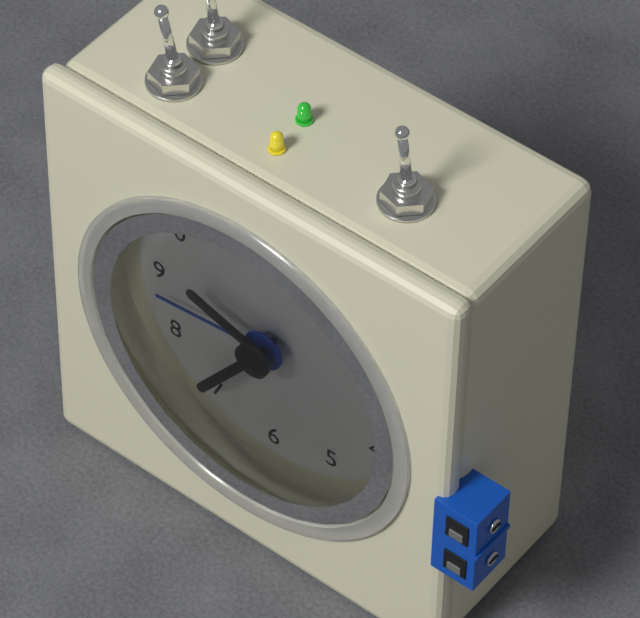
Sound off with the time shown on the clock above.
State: 9:36:44
